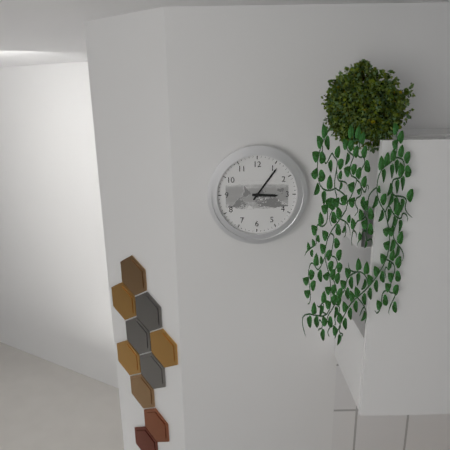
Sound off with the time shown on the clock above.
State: 3:06
